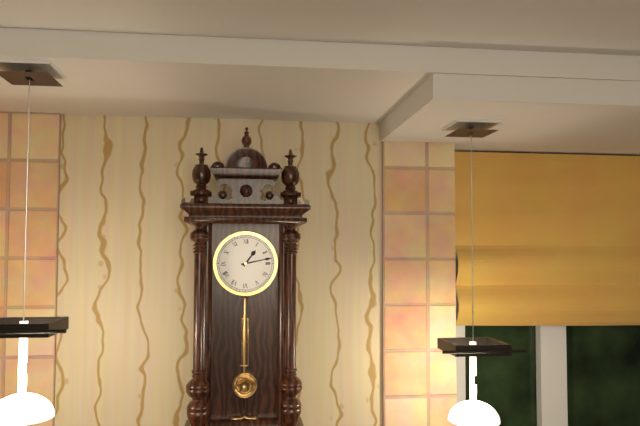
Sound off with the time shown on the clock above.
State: 1:13
